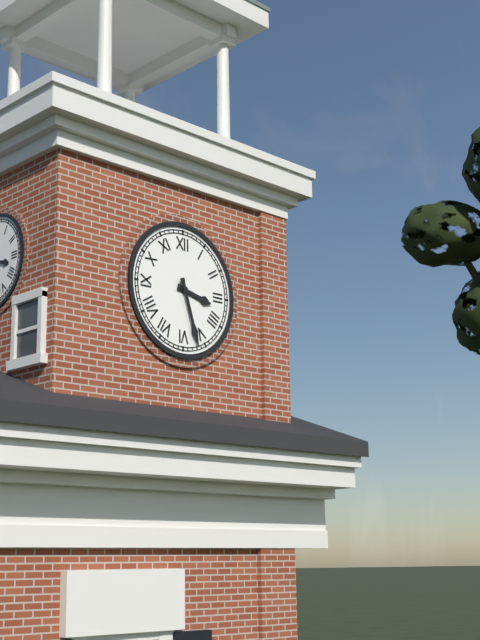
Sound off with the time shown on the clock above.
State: 3:27
